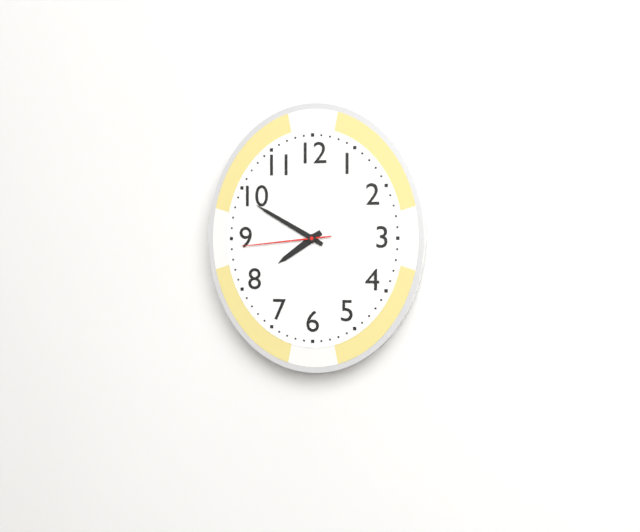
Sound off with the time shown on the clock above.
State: 7:50:44
